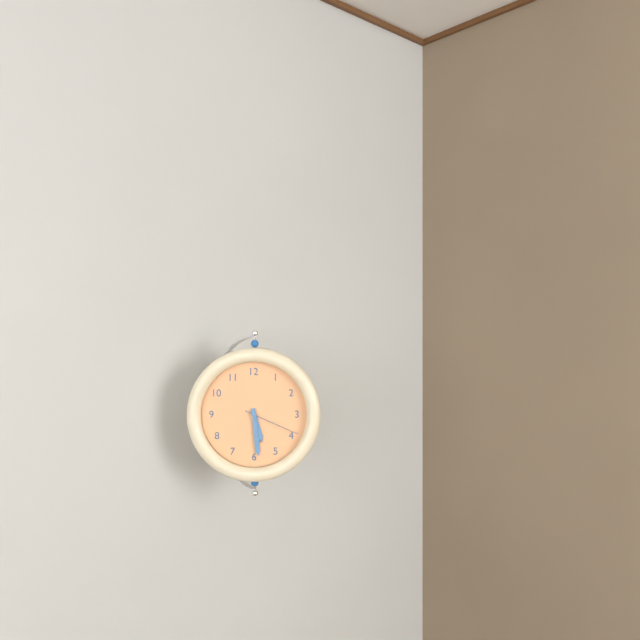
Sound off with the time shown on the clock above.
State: 5:29:19
